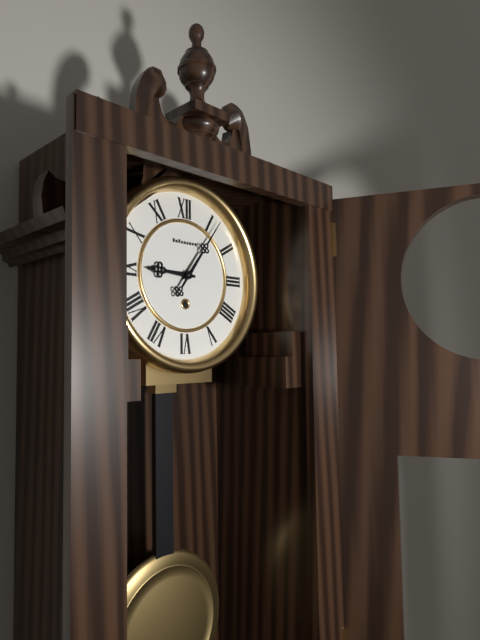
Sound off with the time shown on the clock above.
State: 9:06
